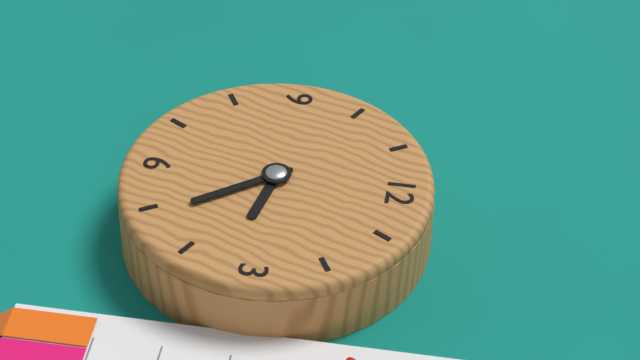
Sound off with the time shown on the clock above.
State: 3:24
